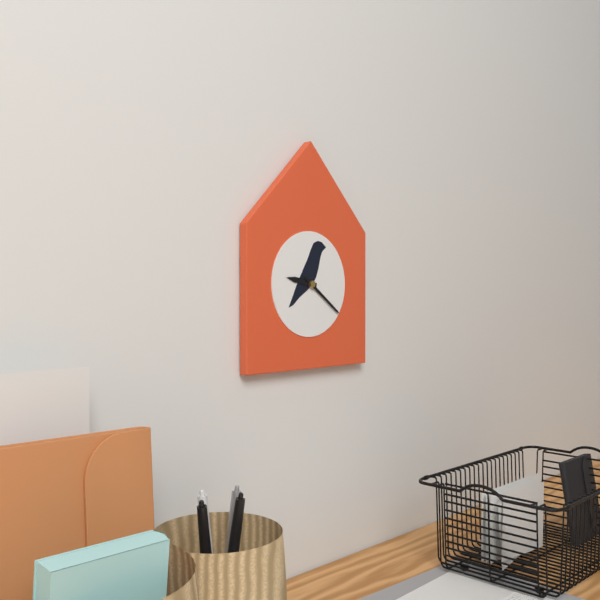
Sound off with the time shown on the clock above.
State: 9:21
